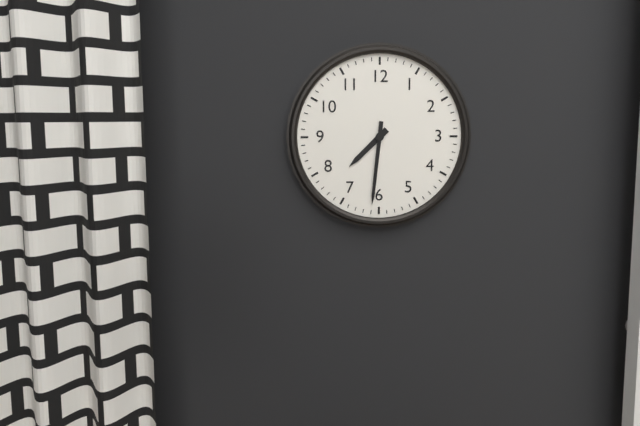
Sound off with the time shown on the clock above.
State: 7:31
